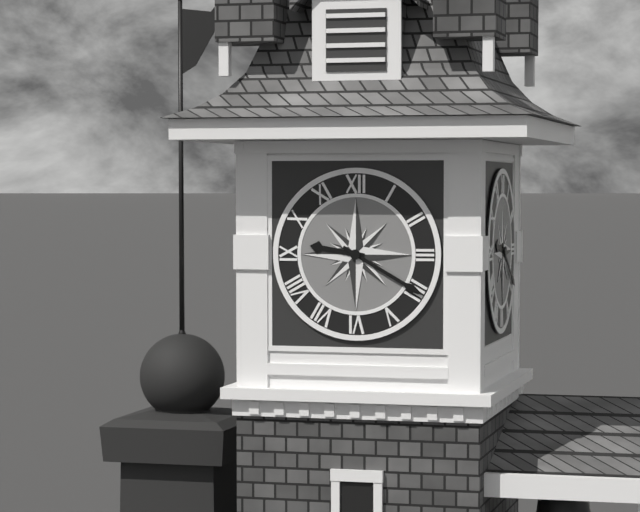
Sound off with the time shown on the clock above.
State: 9:20
